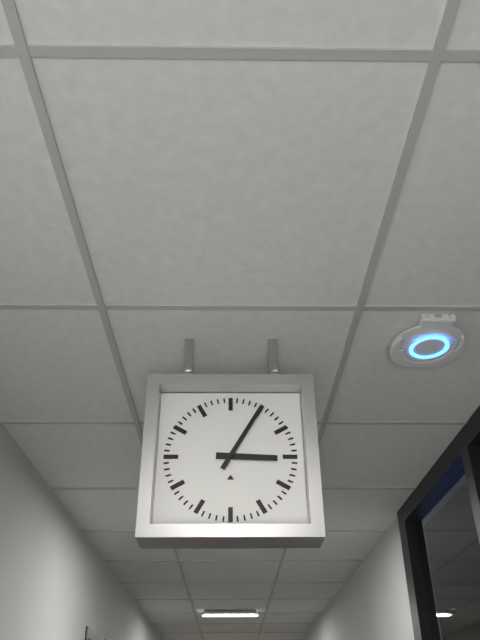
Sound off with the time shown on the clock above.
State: 3:05
